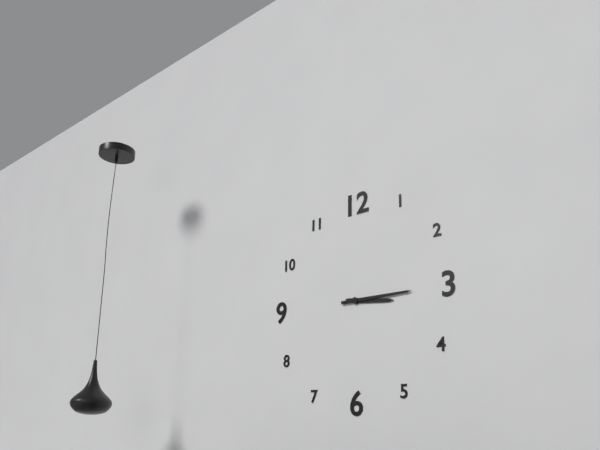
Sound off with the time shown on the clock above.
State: 3:15
